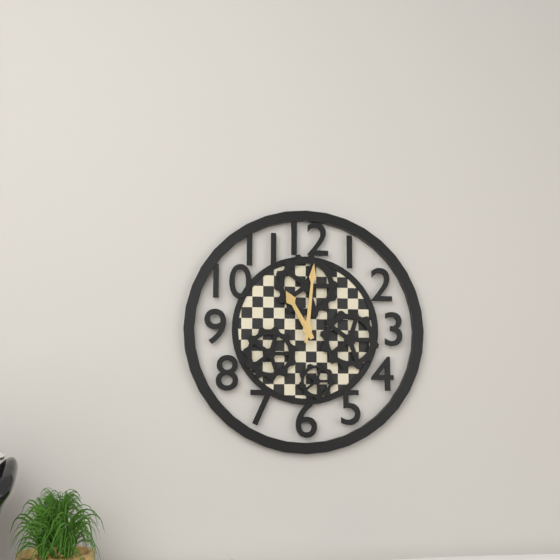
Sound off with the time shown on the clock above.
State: 11:01
